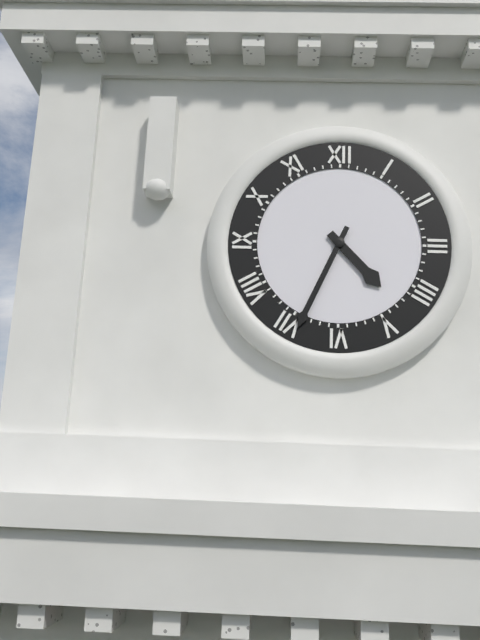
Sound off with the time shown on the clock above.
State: 4:34
